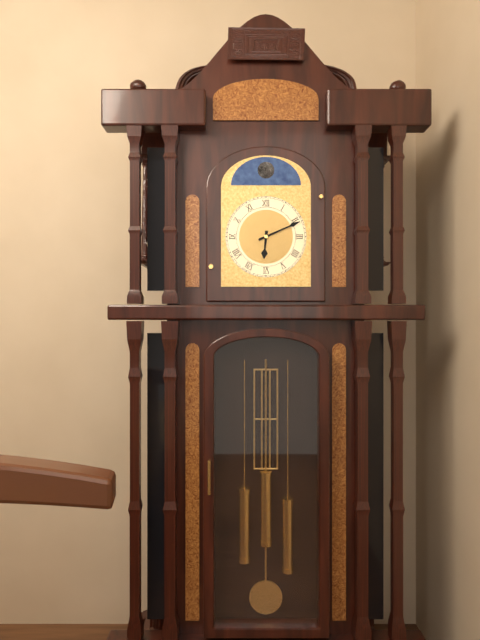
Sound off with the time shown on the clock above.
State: 6:11
